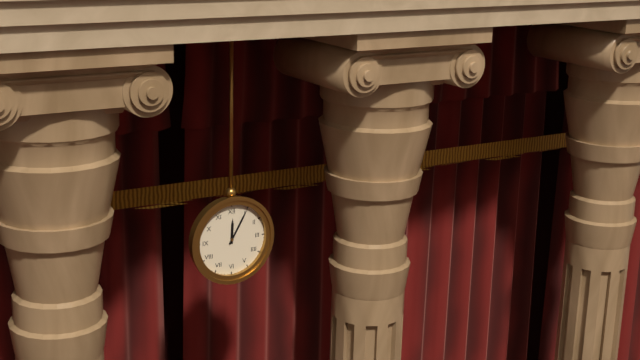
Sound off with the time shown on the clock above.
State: 12:05
